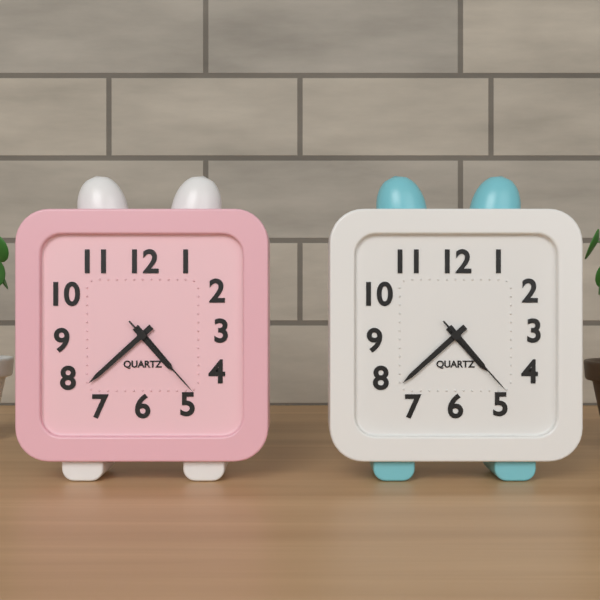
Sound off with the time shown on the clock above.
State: 4:38:23
